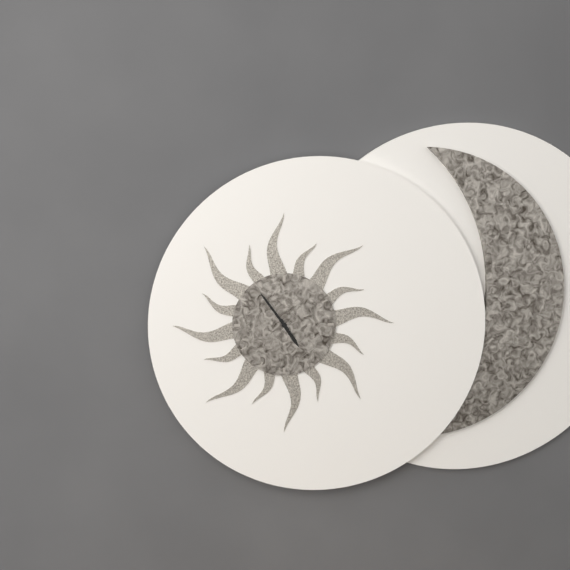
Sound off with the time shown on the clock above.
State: 4:54
